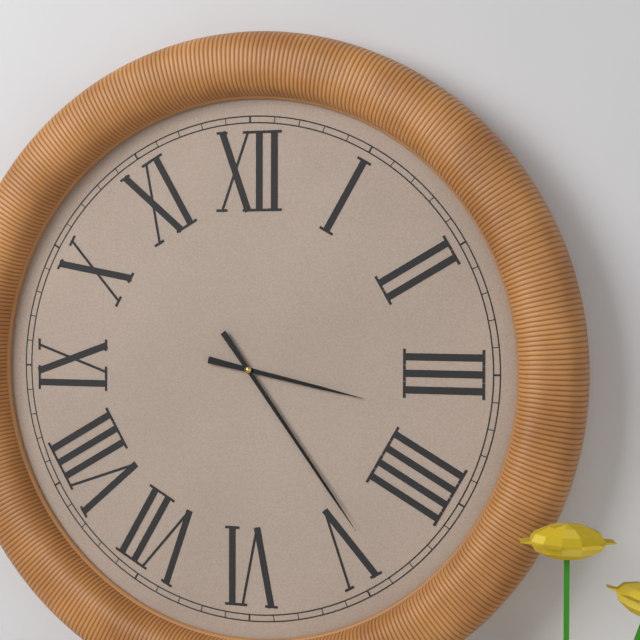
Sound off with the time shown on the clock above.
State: 3:24
